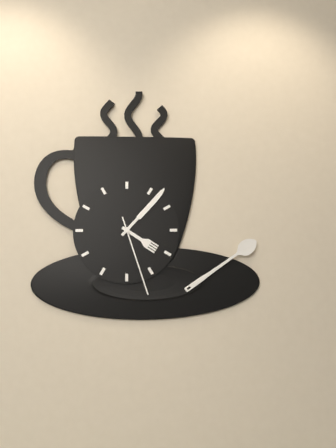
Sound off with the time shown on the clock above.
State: 4:07:27
